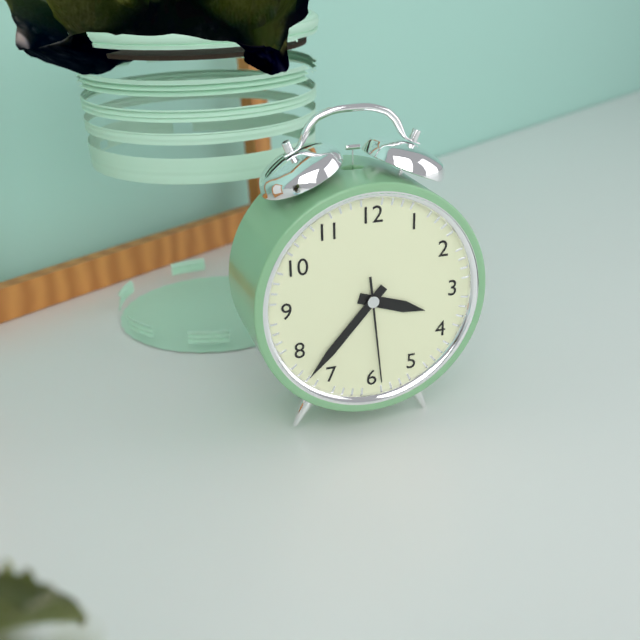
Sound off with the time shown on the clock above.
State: 3:37:29
